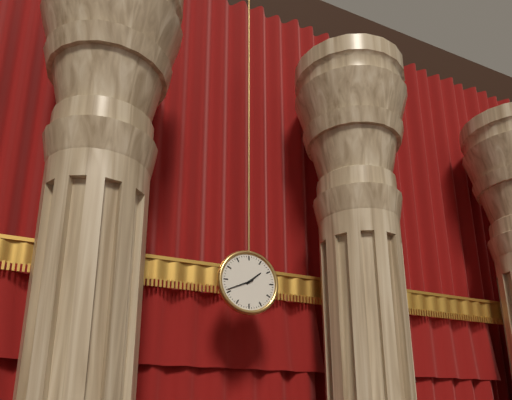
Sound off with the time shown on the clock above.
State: 1:41
